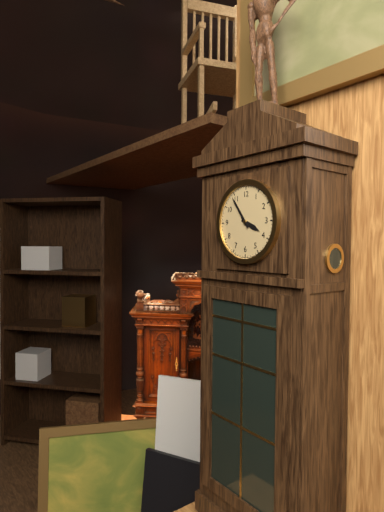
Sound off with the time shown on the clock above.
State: 3:54
